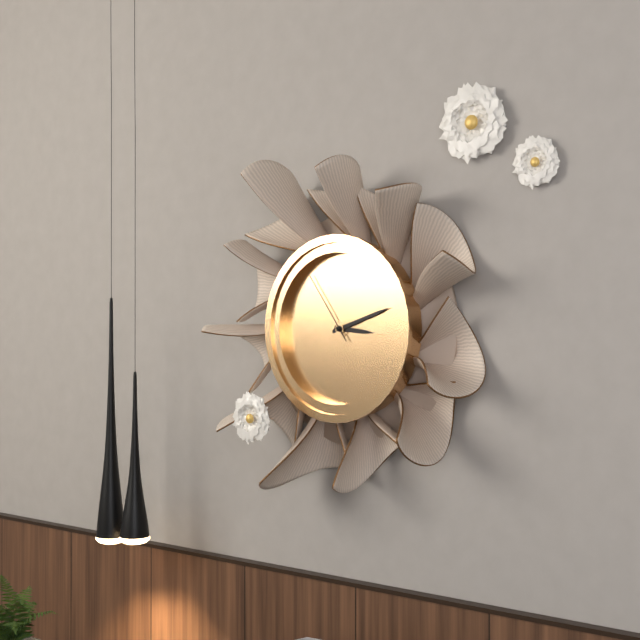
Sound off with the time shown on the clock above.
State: 3:12:54
